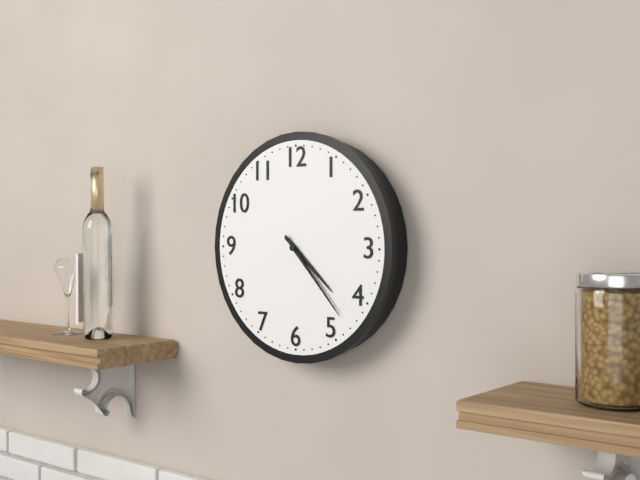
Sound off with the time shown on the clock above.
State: 4:23
